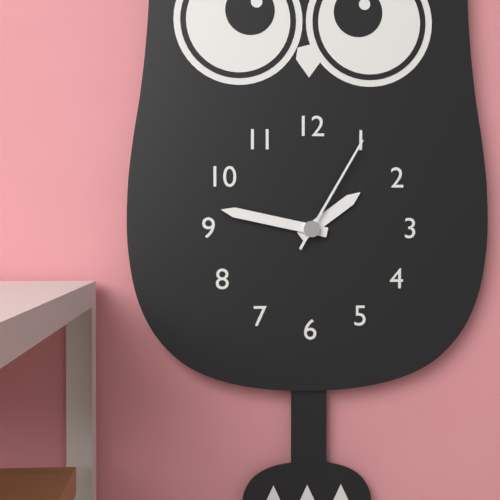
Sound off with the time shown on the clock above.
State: 1:47:05
